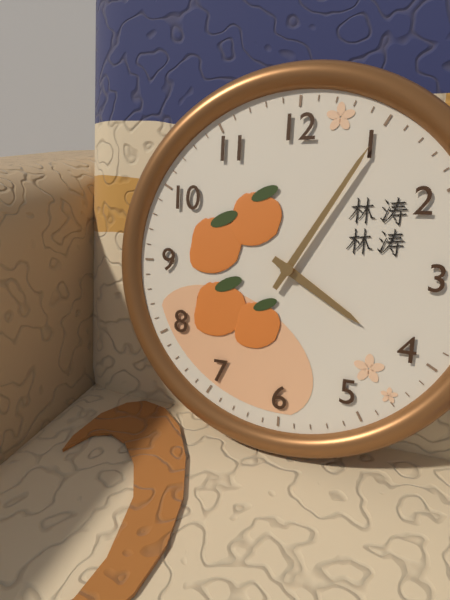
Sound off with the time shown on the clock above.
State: 4:05
